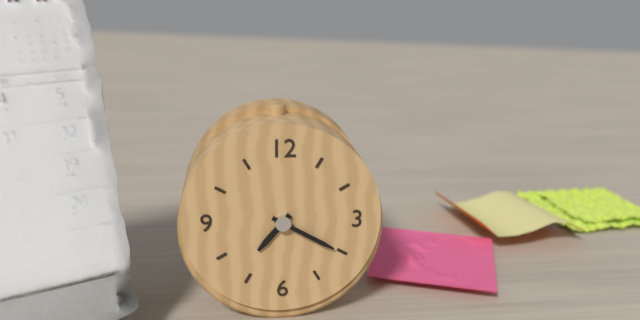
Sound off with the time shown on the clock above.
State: 7:20
